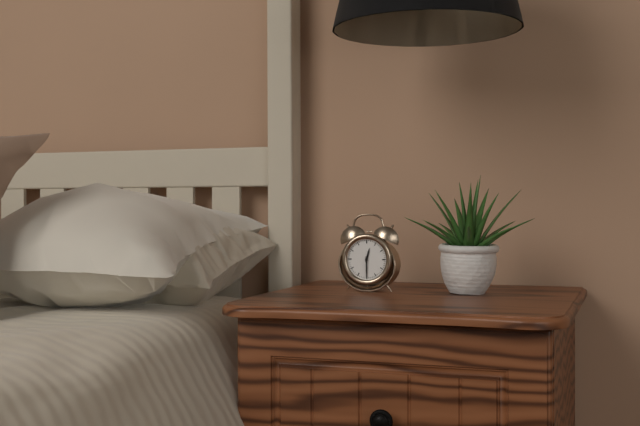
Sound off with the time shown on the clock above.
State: 12:30
